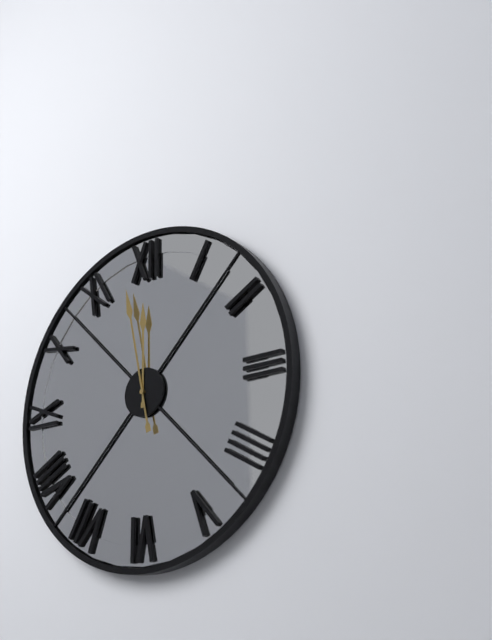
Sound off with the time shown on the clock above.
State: 11:58
